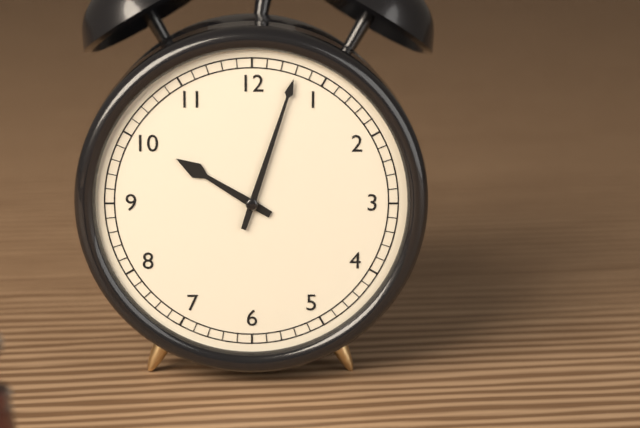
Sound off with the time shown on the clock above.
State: 10:03
